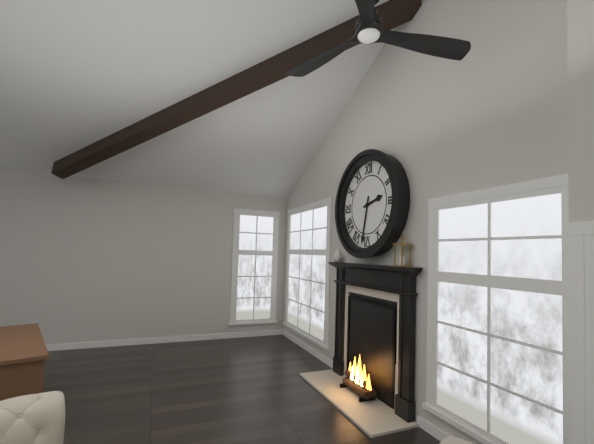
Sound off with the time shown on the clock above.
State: 2:32
